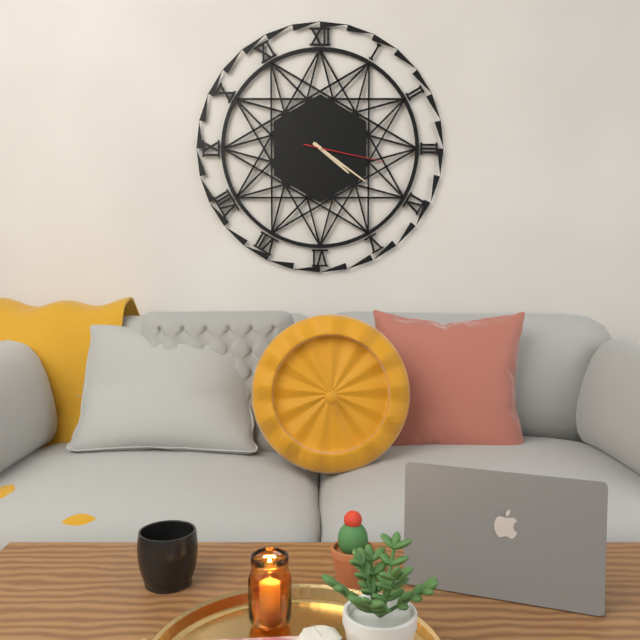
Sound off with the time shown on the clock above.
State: 4:21:17
